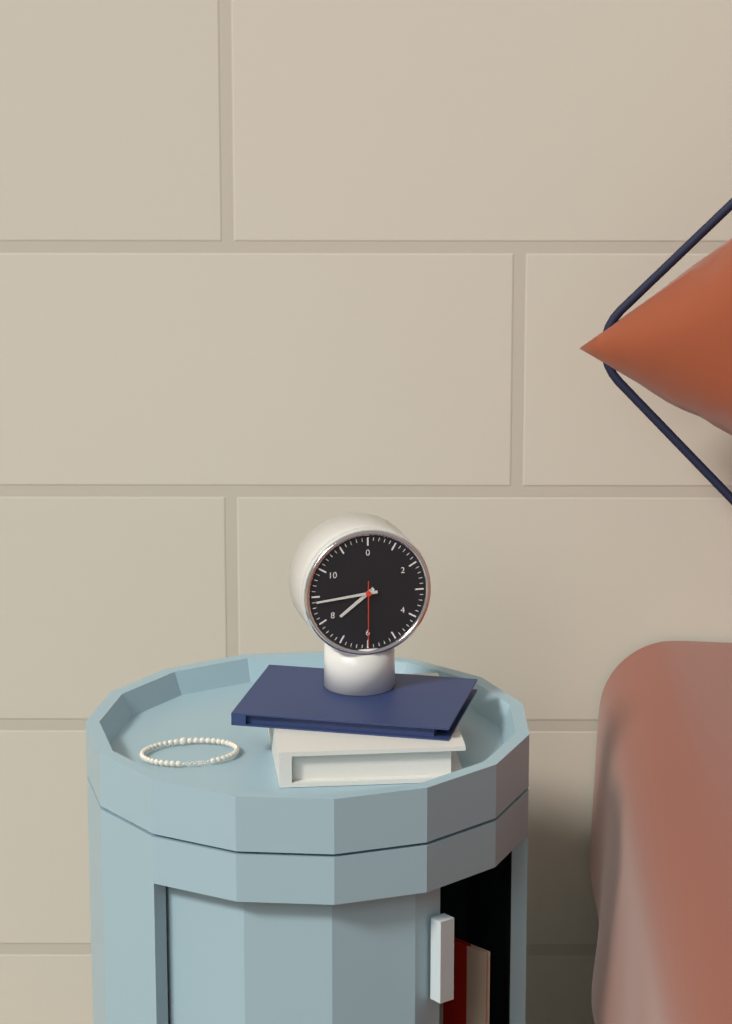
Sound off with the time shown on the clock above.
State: 7:44:30
